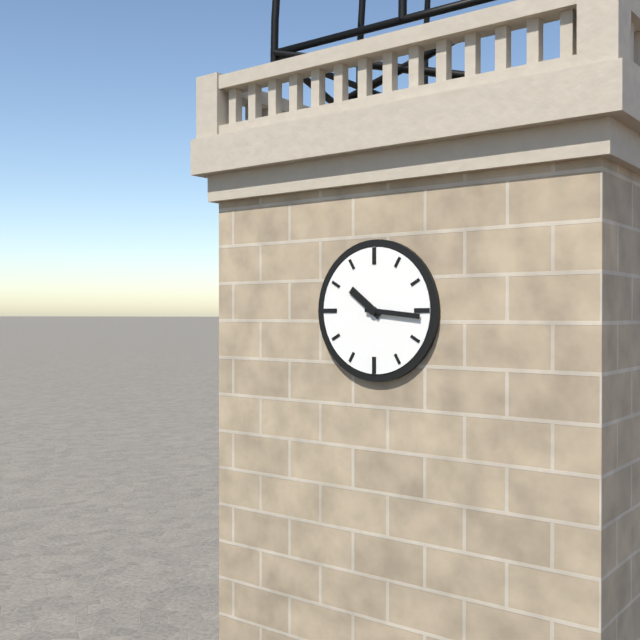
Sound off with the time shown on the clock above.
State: 10:16
